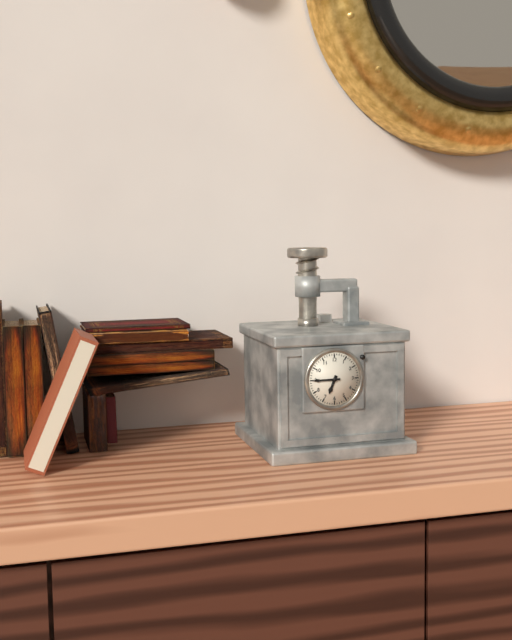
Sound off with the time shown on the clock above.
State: 6:45
